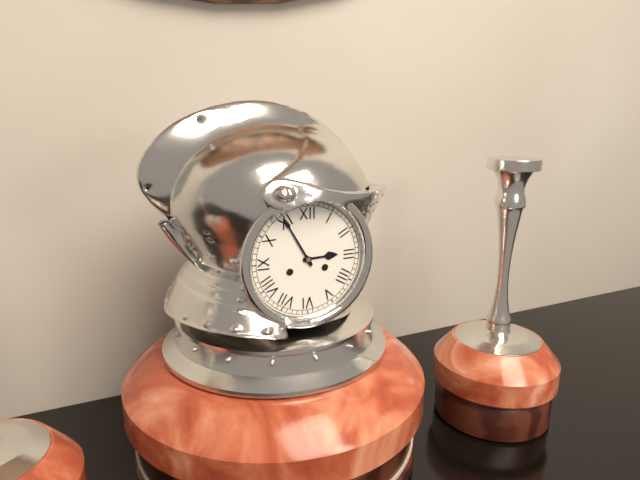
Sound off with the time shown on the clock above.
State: 2:55
